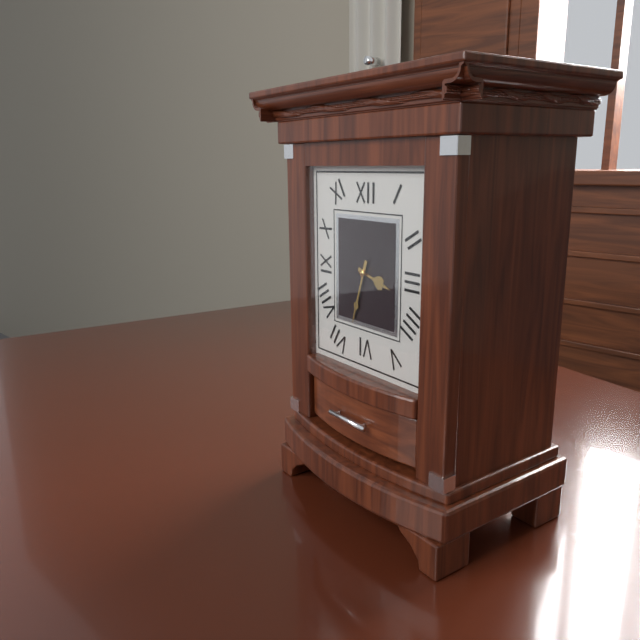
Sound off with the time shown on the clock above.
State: 3:33
